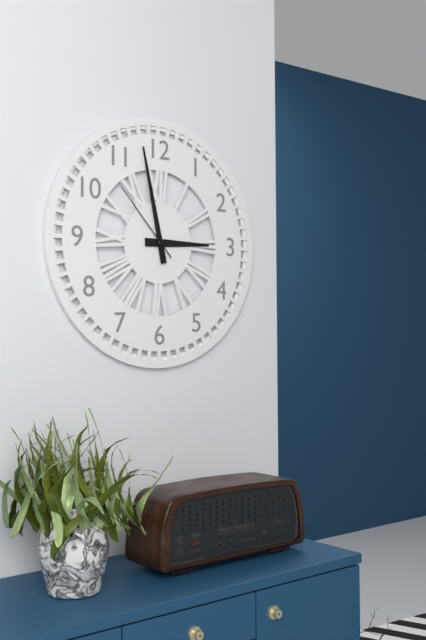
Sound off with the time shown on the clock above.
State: 2:58:53
